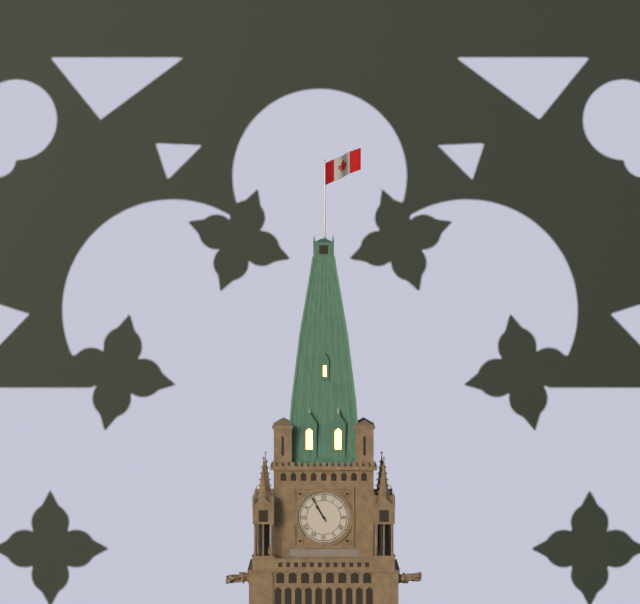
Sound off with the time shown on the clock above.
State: 10:55
